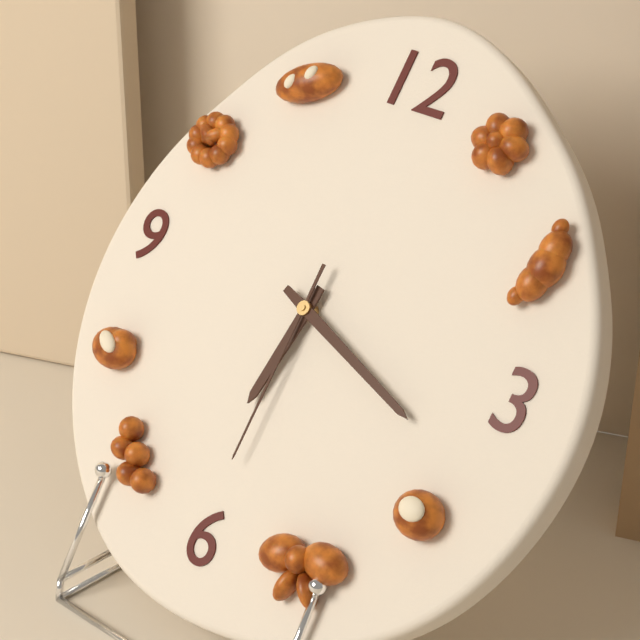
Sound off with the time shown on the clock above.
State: 6:18:30
